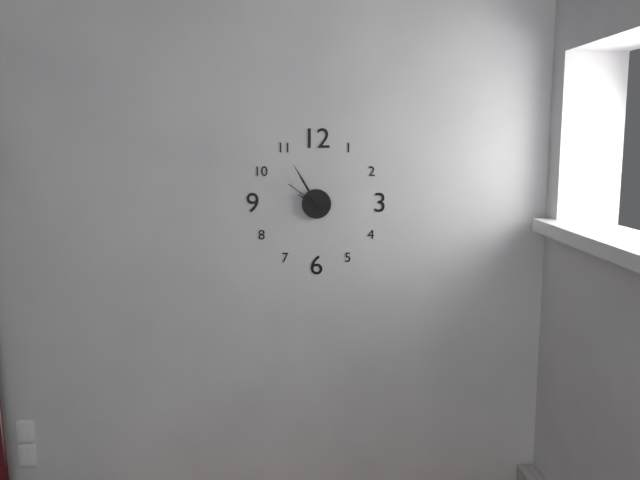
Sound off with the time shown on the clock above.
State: 9:55
